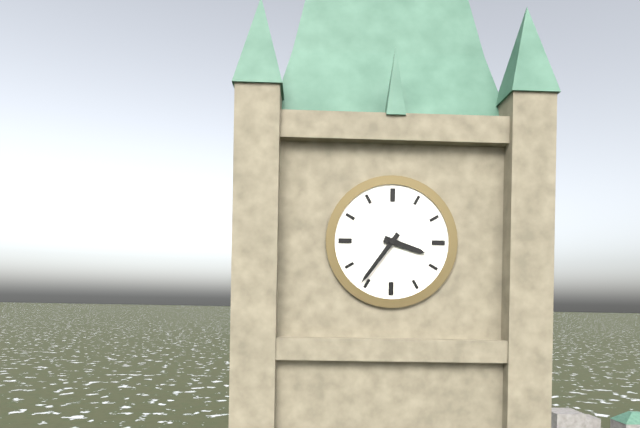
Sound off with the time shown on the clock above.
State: 3:36
